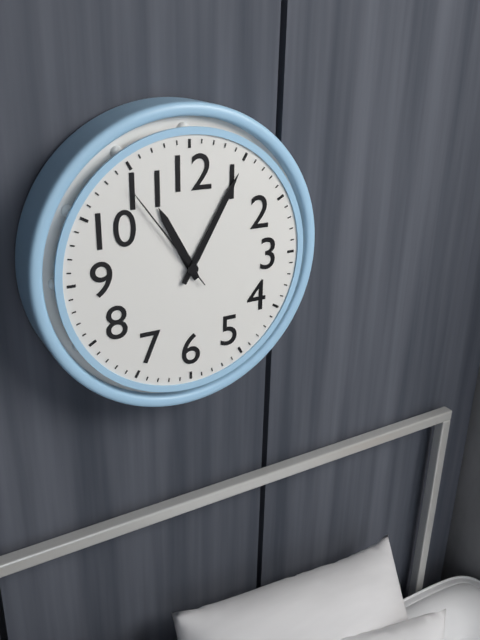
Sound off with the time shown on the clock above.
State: 11:05:54
